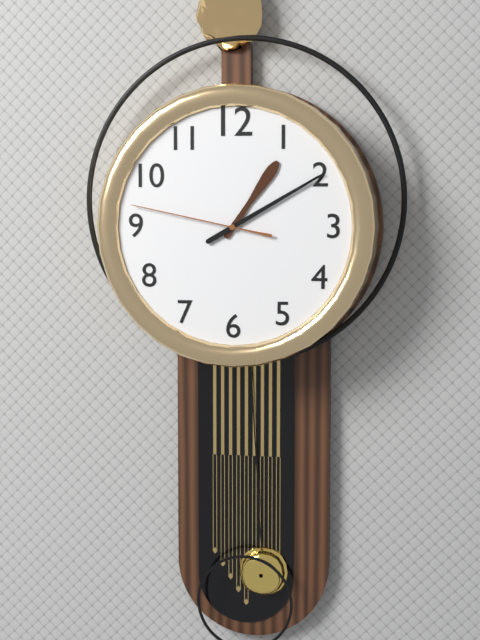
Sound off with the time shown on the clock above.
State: 1:10:47
